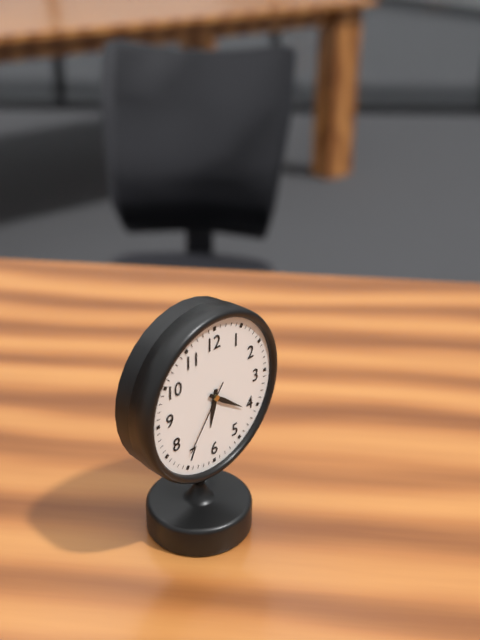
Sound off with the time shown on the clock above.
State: 6:21:36
